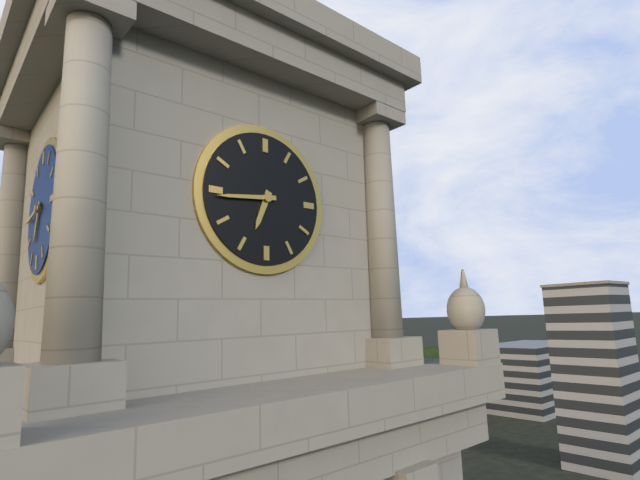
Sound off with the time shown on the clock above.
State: 6:44
